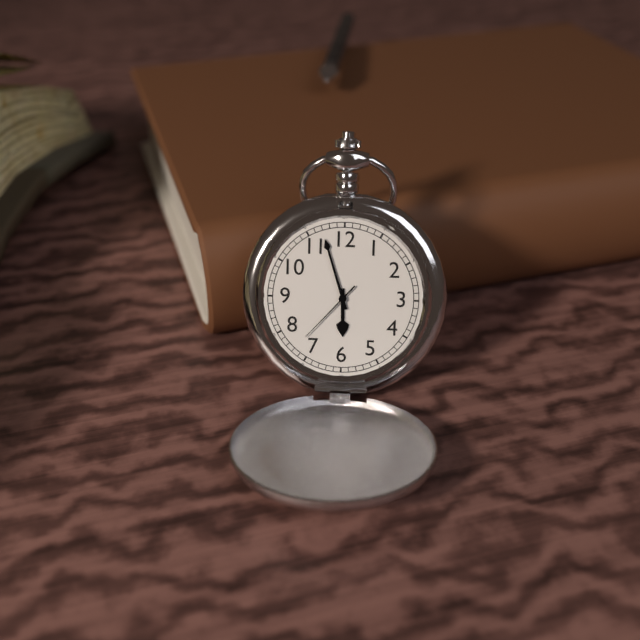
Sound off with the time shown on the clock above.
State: 5:57:37
